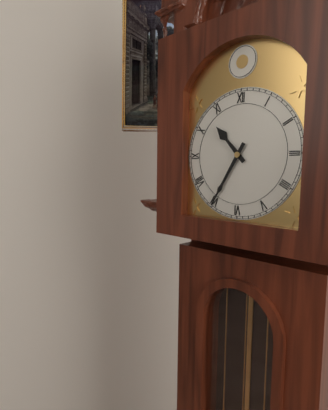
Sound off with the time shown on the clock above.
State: 10:35
